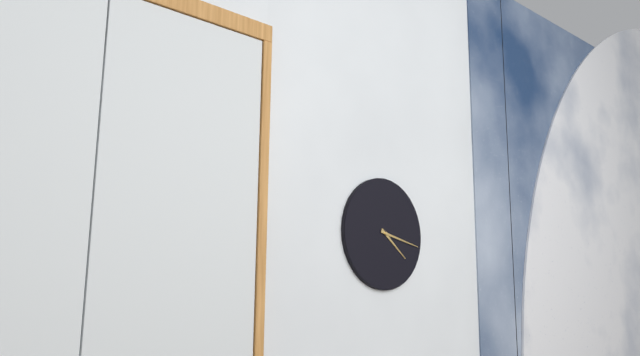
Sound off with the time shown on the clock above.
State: 4:17
